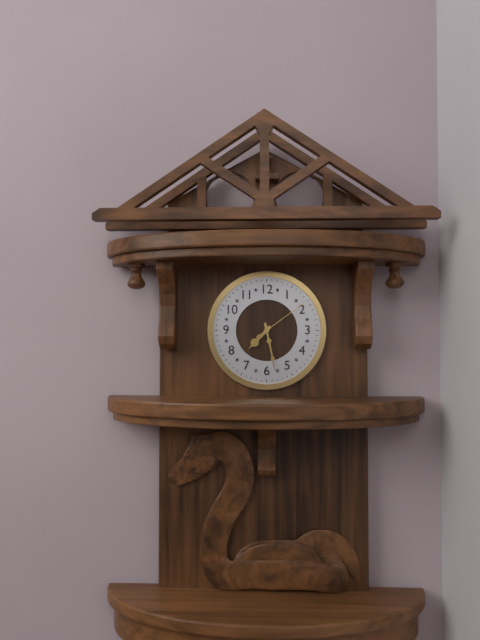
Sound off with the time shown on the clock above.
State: 7:28:09
